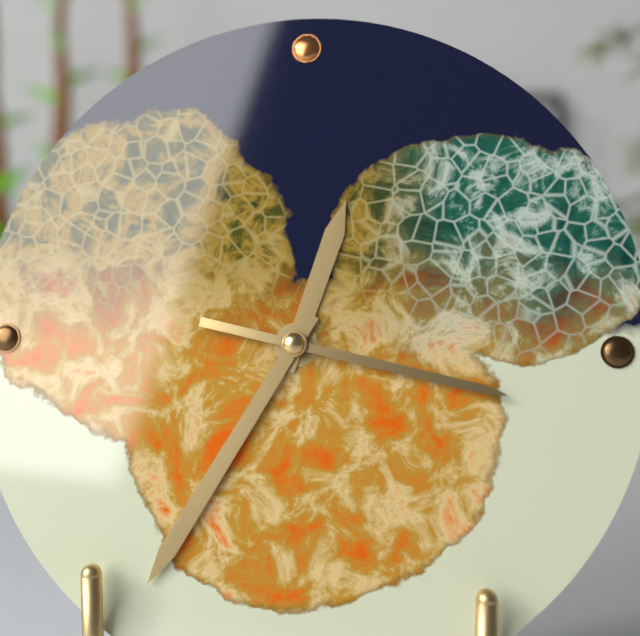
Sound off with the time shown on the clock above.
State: 12:35:17
